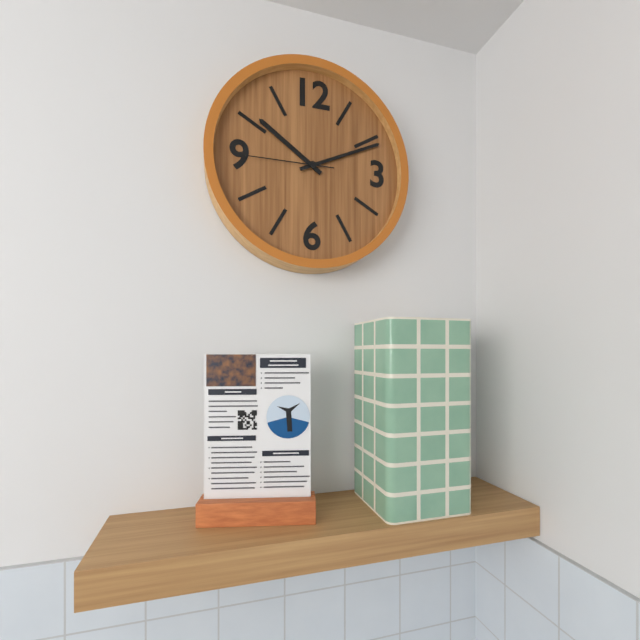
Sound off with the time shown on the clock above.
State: 10:11:45
